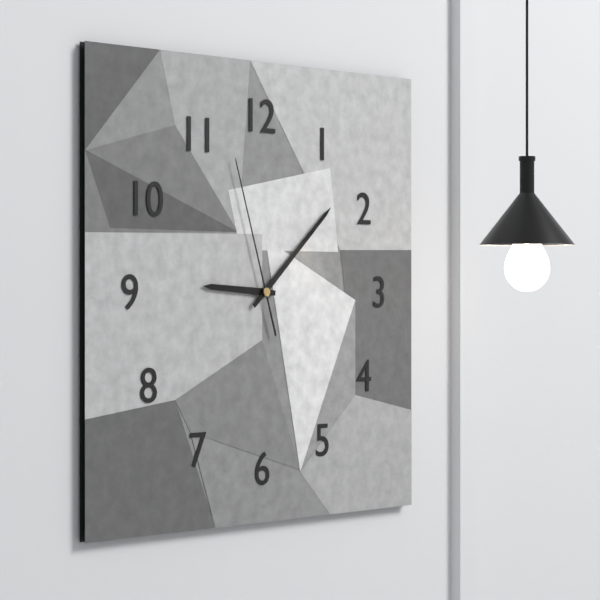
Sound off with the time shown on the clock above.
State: 9:08:57
